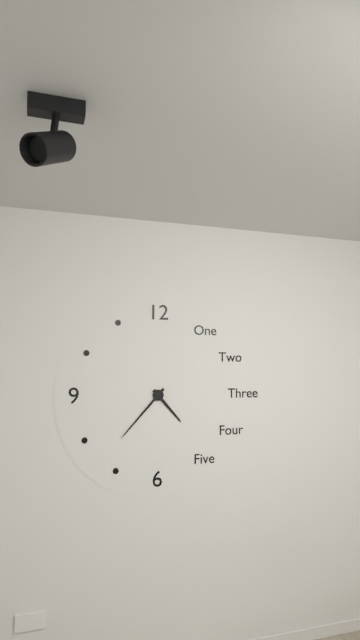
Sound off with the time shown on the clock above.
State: 4:37
